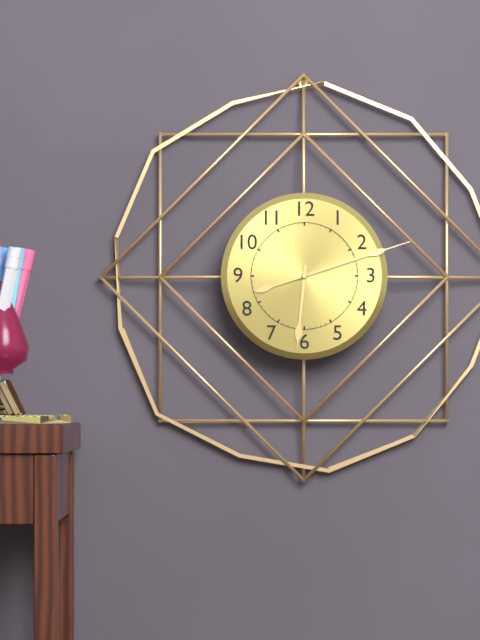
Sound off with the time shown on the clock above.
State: 6:12
